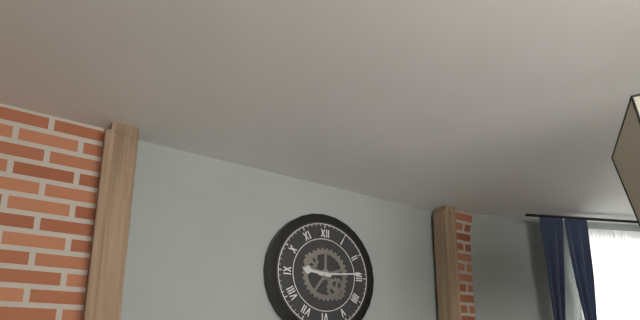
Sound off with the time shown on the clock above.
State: 9:14
